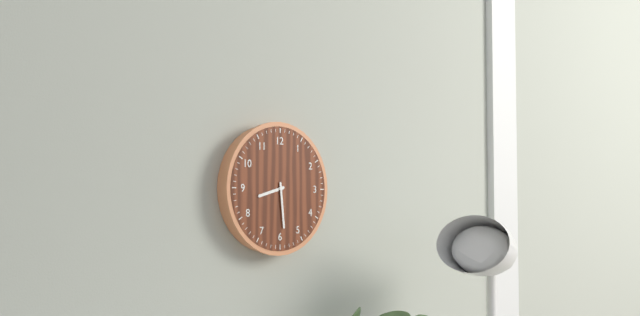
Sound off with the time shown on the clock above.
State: 8:29
